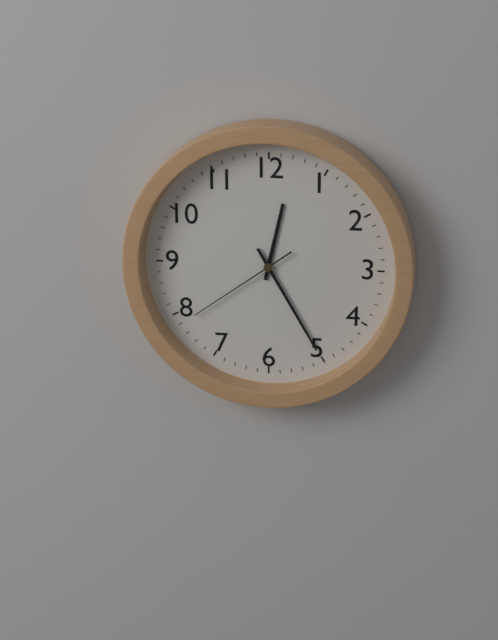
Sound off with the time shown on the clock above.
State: 12:25:39
